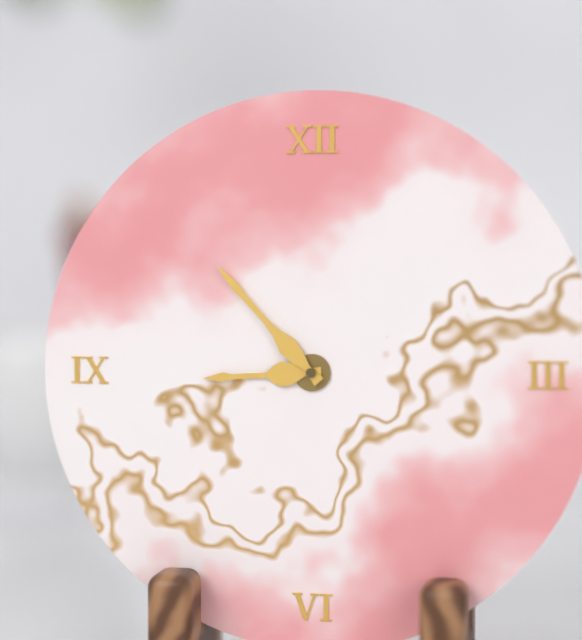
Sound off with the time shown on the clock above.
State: 8:53
